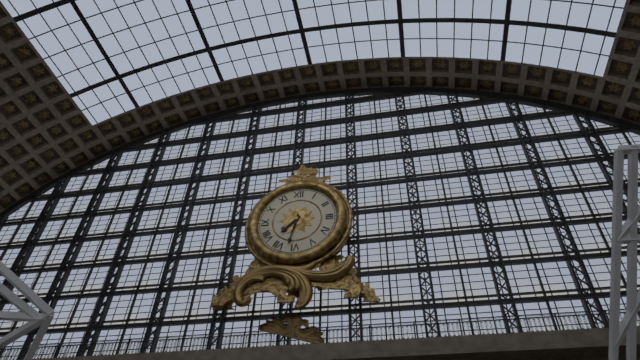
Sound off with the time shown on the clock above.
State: 7:32
